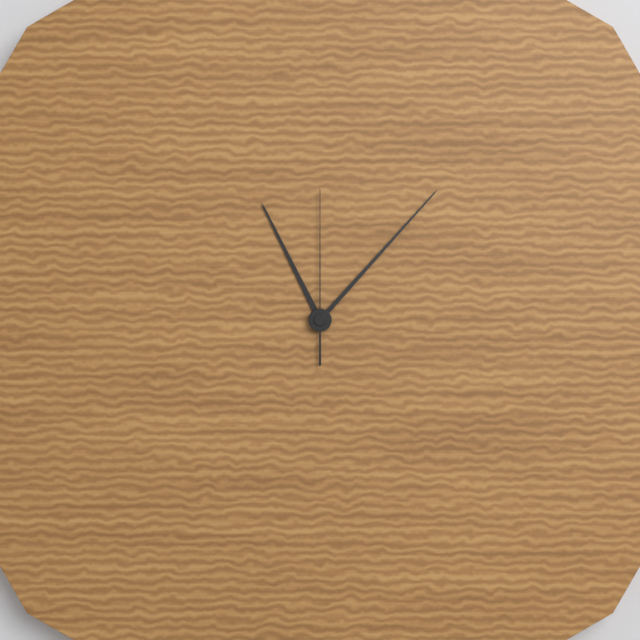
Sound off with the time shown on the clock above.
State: 11:07:00
